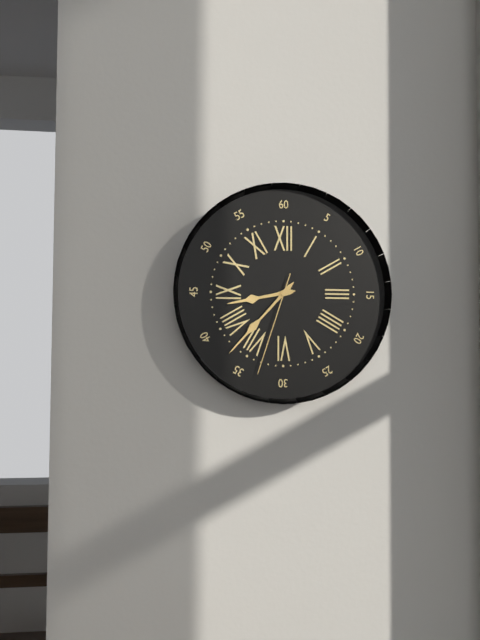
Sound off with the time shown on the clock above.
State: 8:37:33
